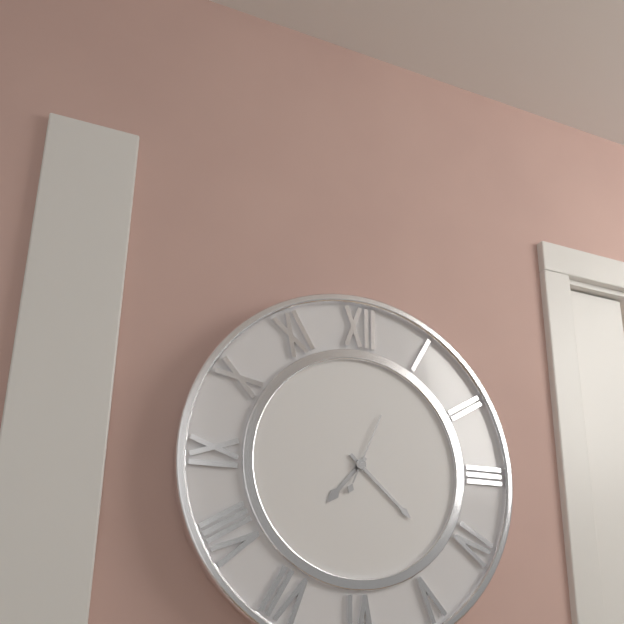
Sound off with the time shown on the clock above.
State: 7:22:04
